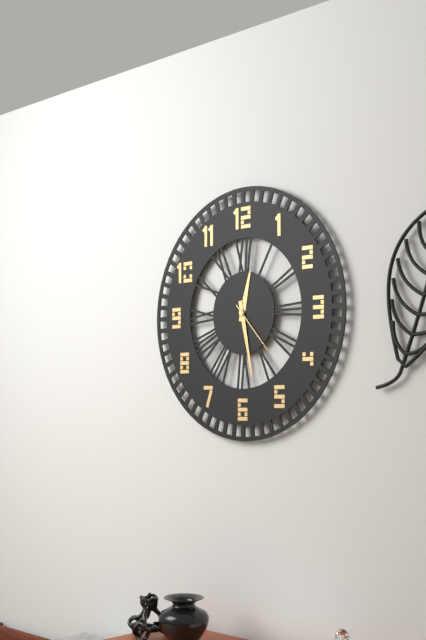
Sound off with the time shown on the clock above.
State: 12:28:23
